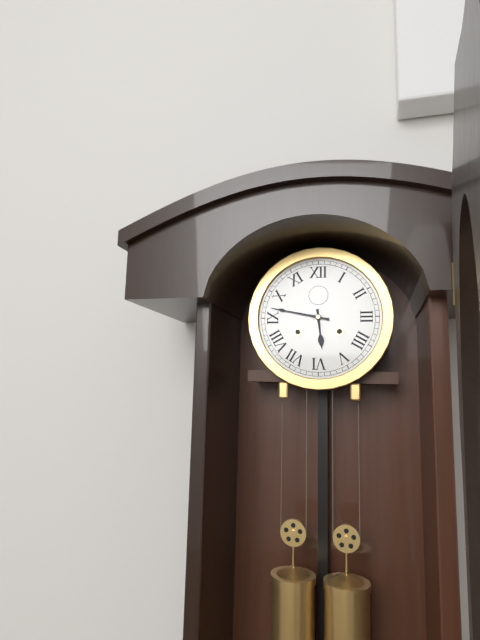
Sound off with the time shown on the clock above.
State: 5:47
